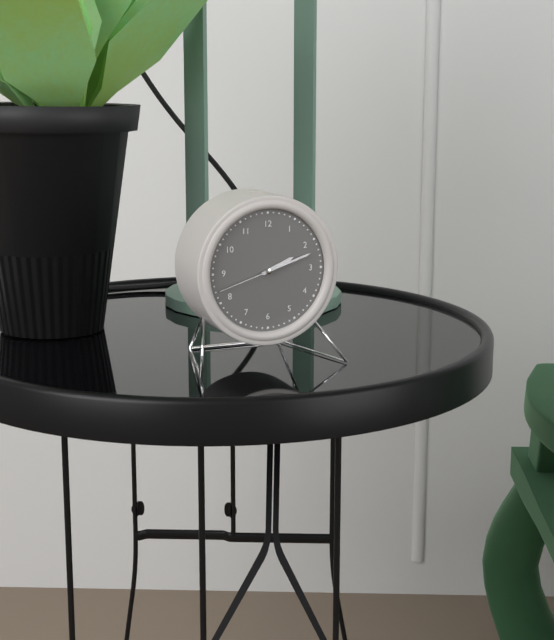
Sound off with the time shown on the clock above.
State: 2:12:42
